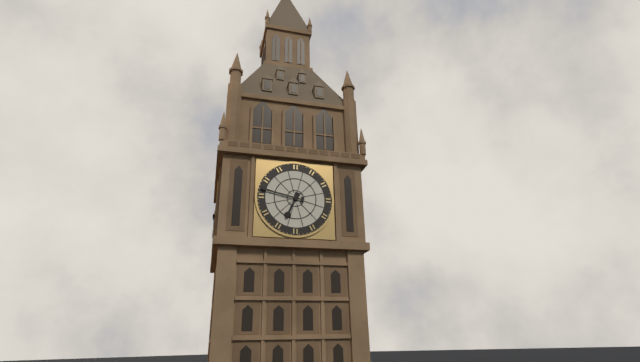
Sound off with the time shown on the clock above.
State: 6:47
